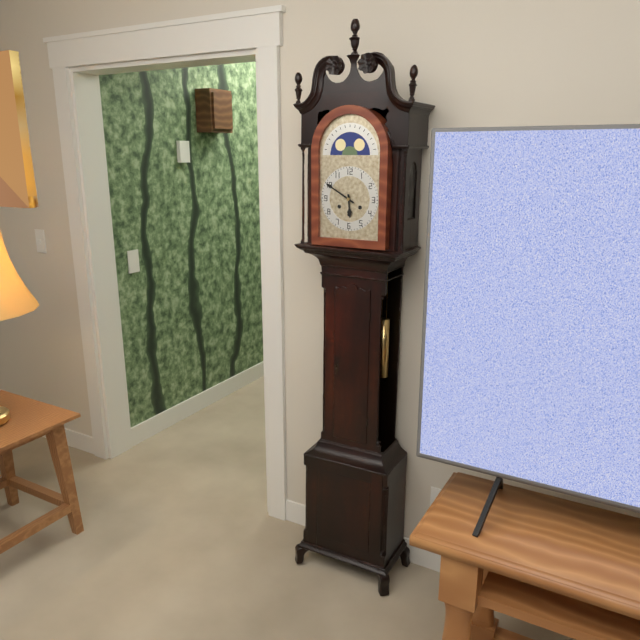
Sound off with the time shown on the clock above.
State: 5:50
